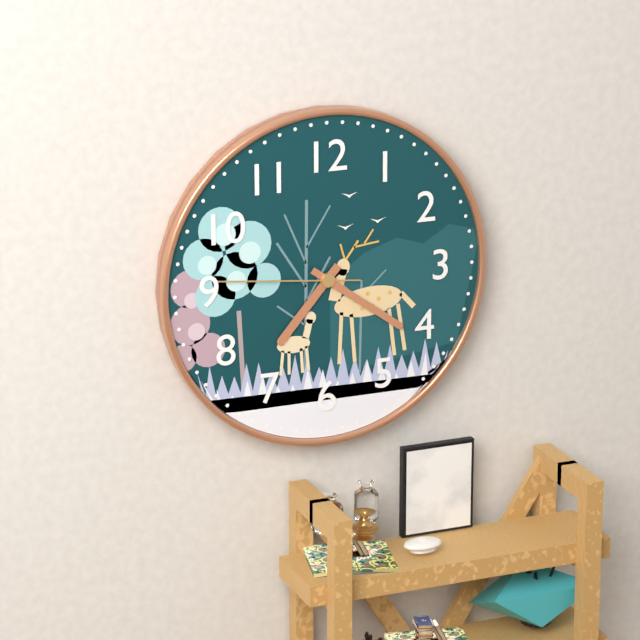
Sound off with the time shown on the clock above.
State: 7:21:46
